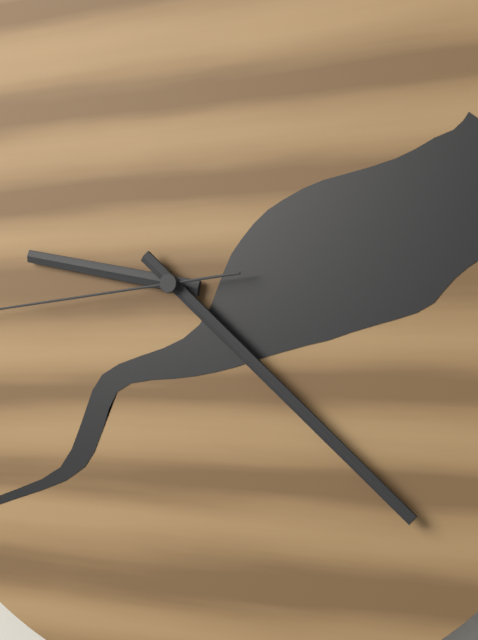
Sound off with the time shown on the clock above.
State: 9:22
